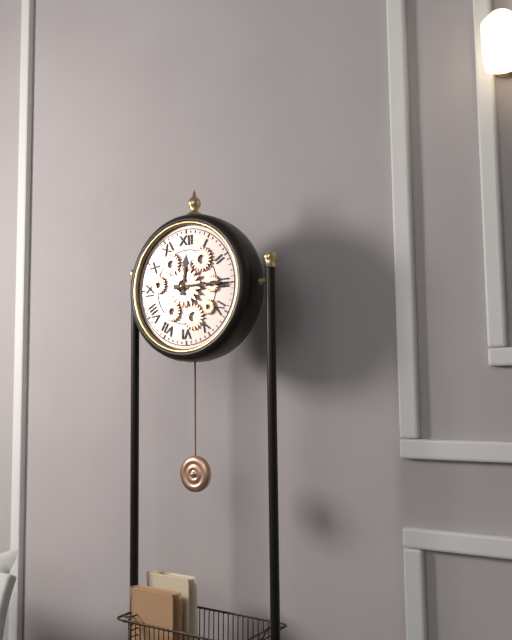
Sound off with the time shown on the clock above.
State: 12:15
